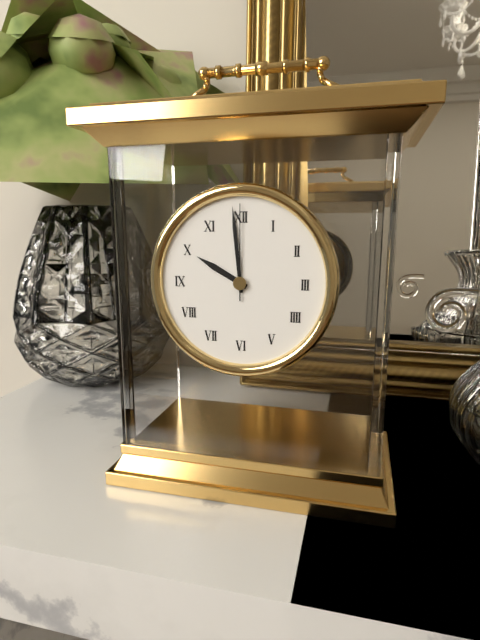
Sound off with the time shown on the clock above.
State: 9:59:00
